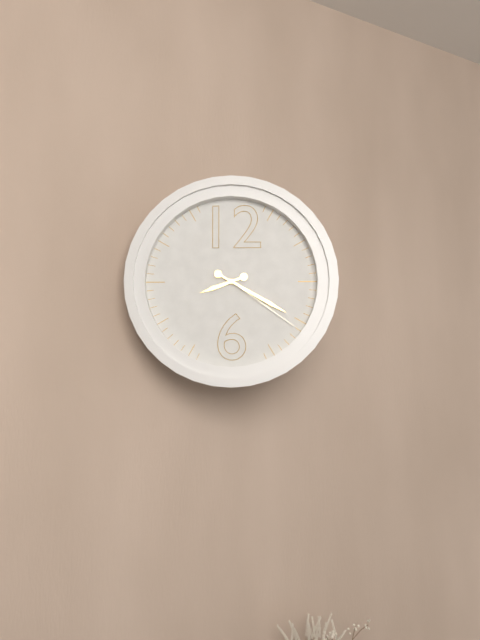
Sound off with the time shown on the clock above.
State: 8:20:21
